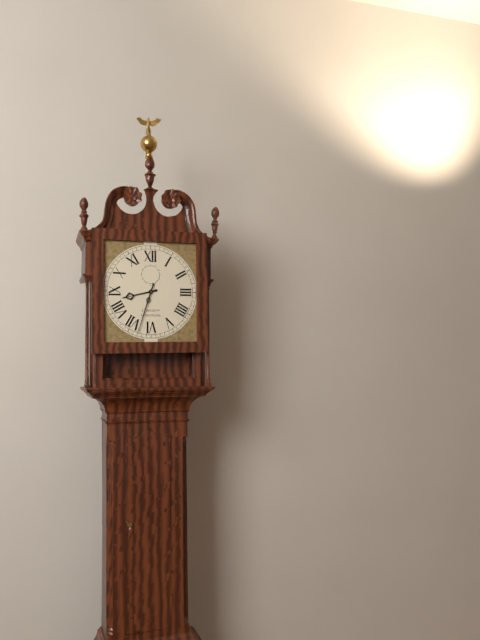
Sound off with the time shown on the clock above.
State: 8:33
